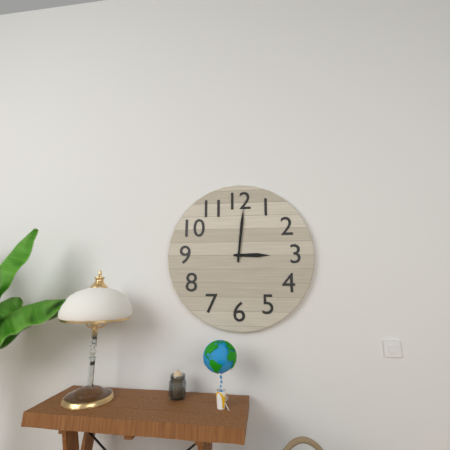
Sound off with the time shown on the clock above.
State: 3:01
